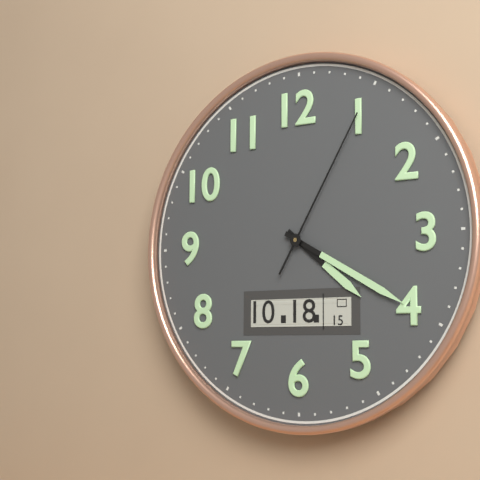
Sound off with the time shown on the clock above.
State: 4:20:05
